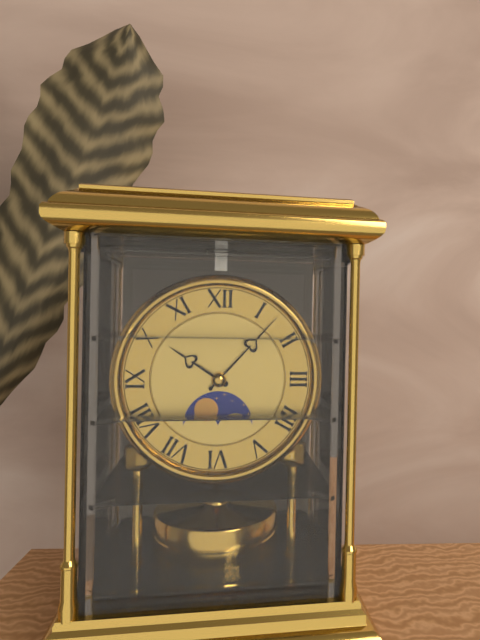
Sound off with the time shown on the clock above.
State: 10:07
